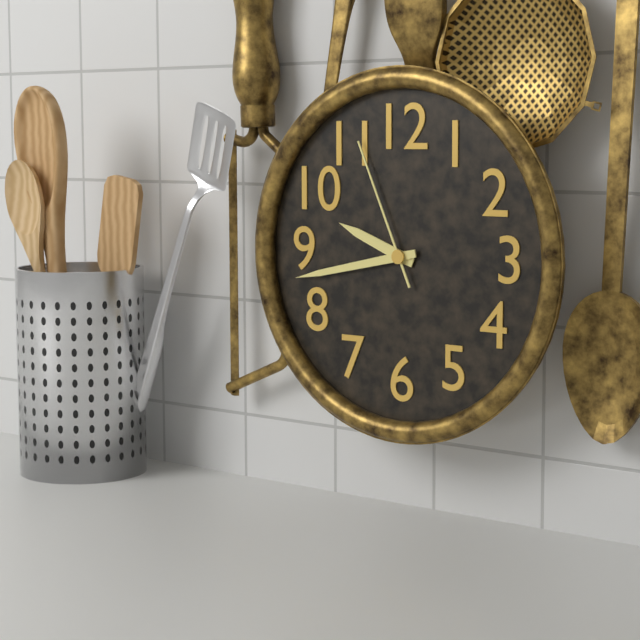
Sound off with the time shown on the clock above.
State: 9:43:56
